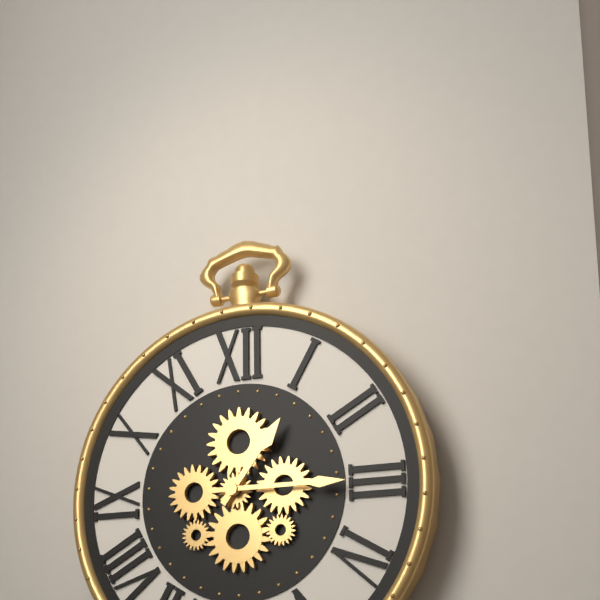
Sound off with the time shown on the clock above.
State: 1:15
